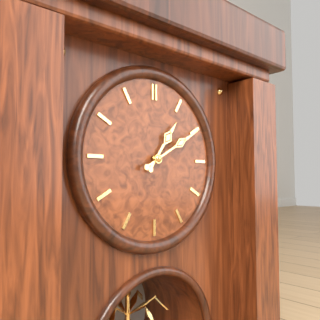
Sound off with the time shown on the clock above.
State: 1:10
